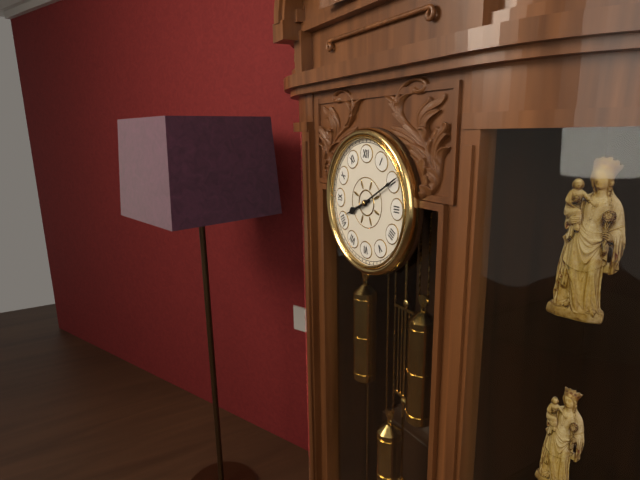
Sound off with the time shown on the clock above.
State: 8:10
